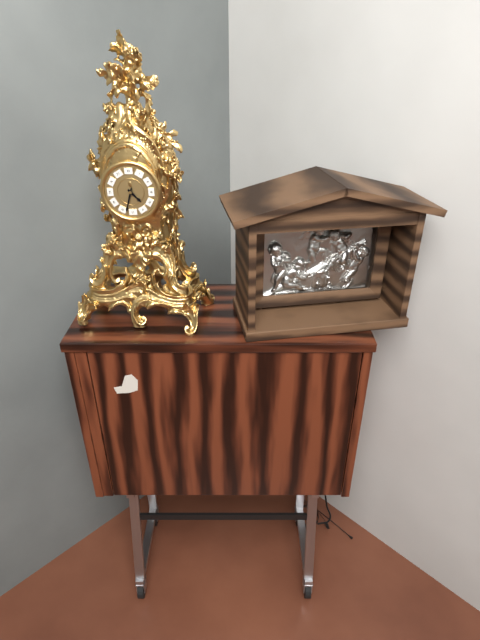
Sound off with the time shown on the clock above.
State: 4:33
